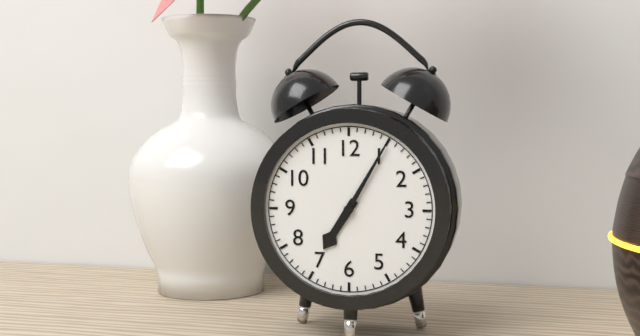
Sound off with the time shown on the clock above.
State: 7:05
